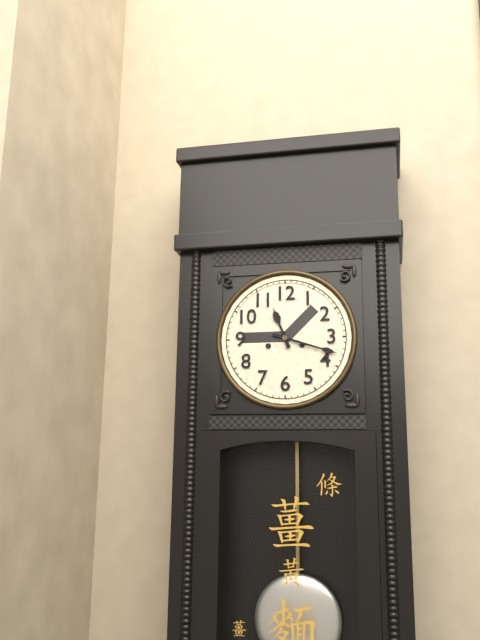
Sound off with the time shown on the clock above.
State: 11:18
